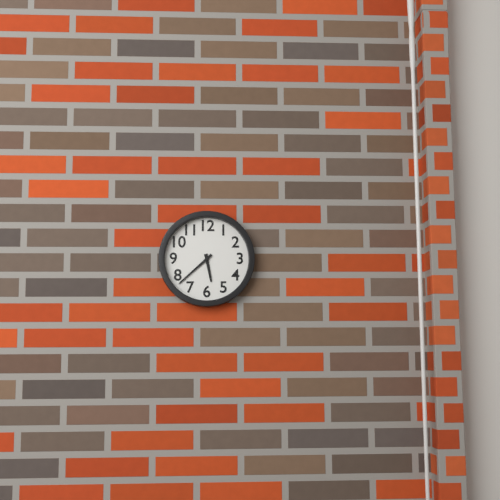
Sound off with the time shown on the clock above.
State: 5:38
